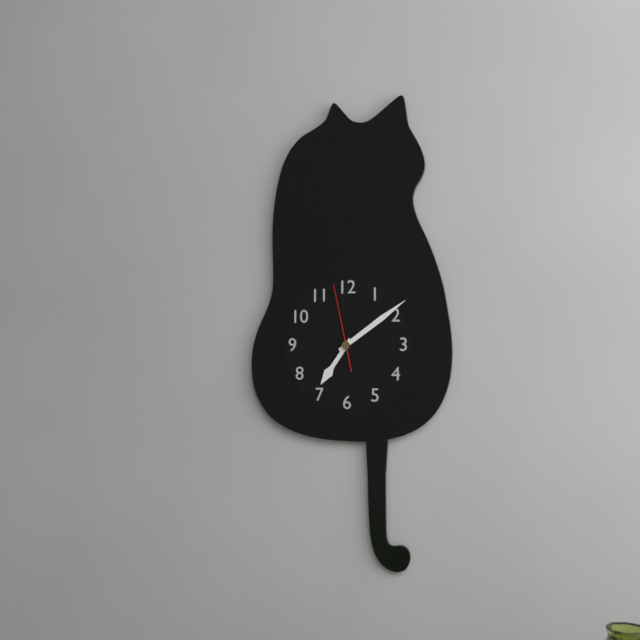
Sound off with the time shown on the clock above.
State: 7:09:58
